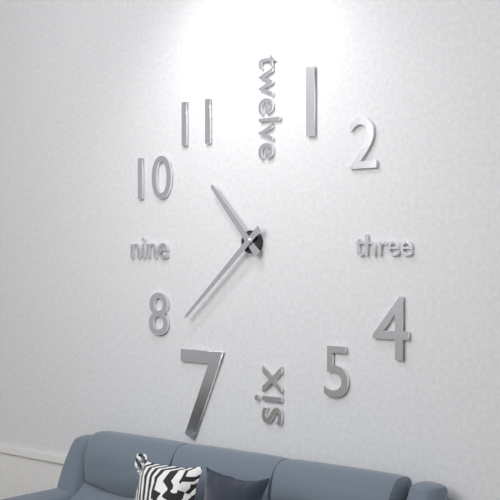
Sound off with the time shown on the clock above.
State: 10:38
